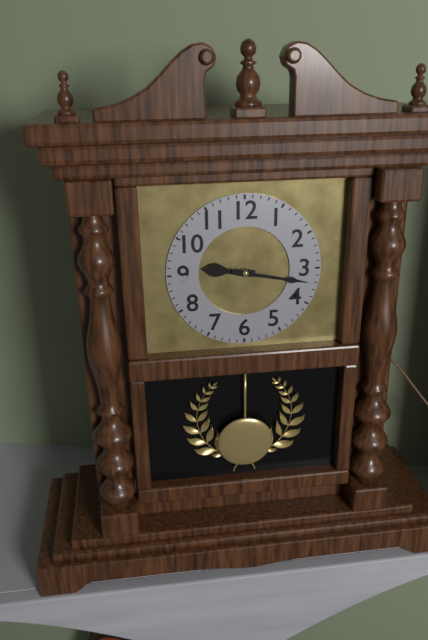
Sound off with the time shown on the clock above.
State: 9:17
